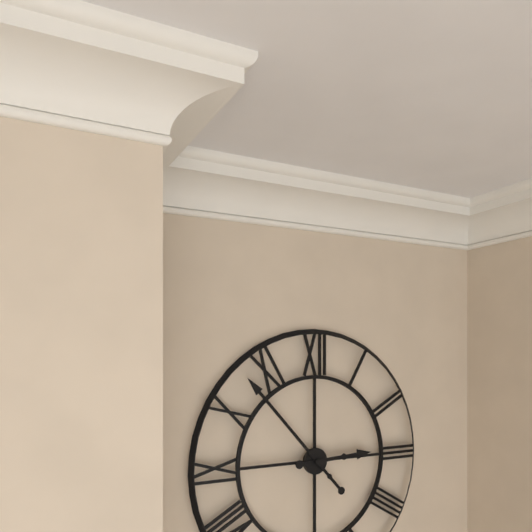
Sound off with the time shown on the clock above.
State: 2:53
